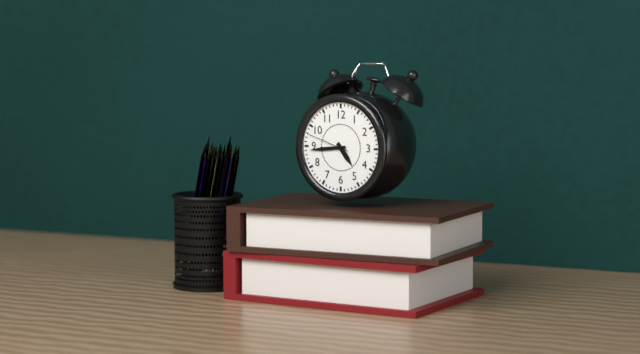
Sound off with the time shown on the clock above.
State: 4:44
